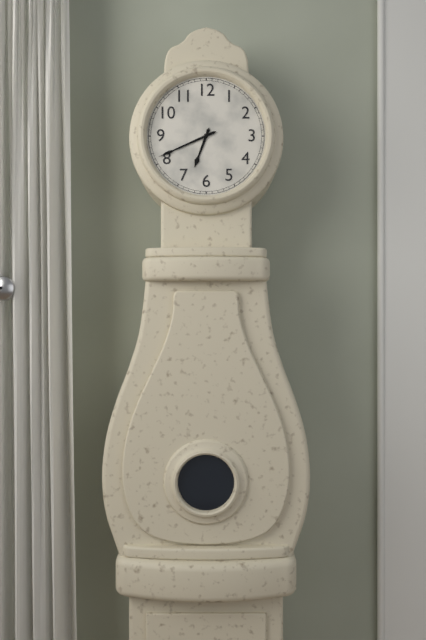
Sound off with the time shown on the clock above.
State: 6:41
